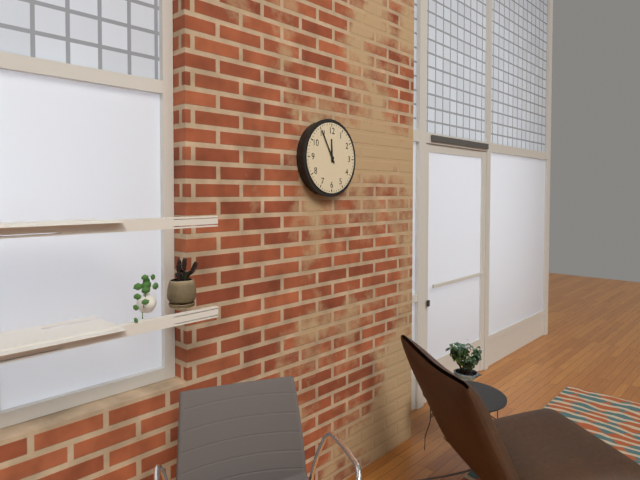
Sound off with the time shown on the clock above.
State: 11:55
